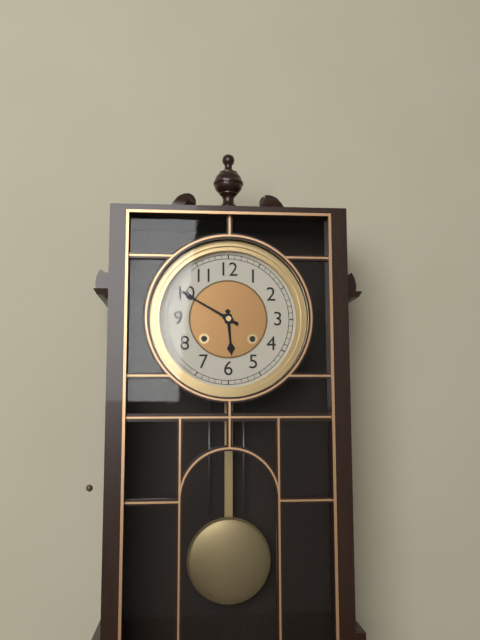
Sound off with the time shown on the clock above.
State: 5:50
